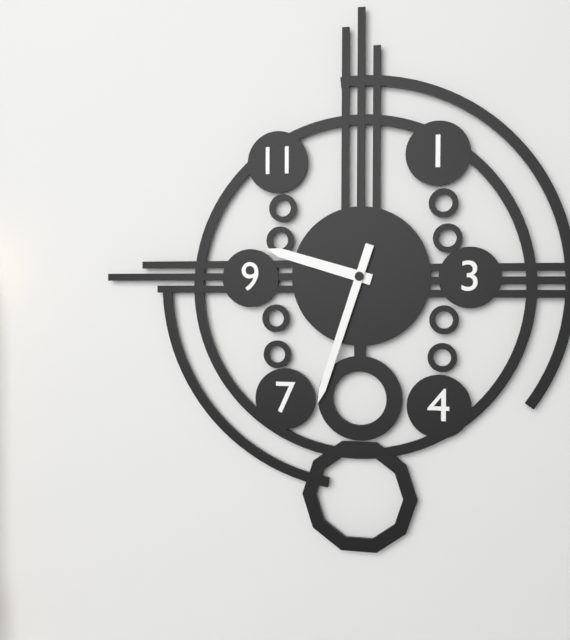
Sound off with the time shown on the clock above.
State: 9:33
